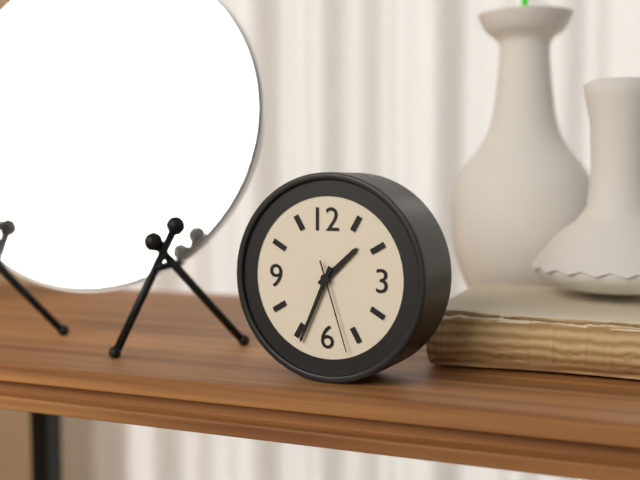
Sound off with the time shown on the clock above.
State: 1:34:27
